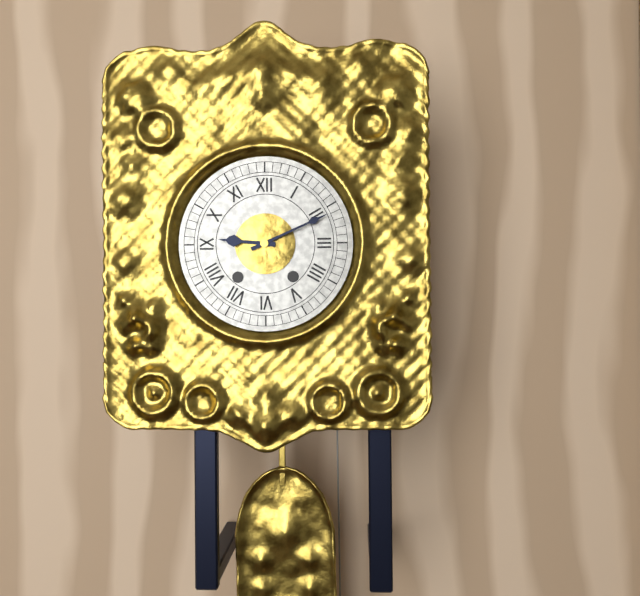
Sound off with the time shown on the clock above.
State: 9:11
